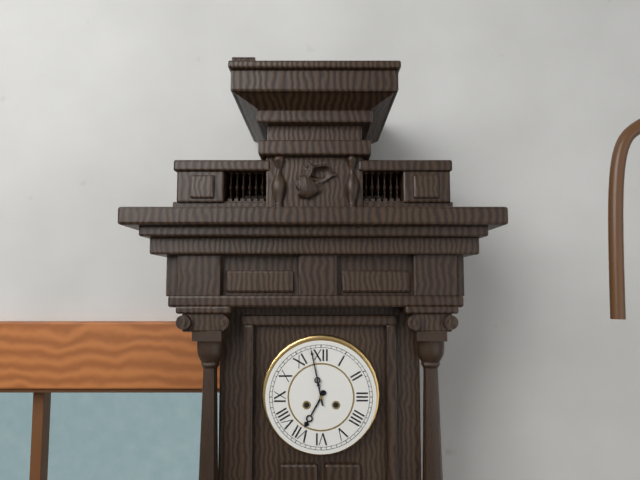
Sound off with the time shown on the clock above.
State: 6:58
